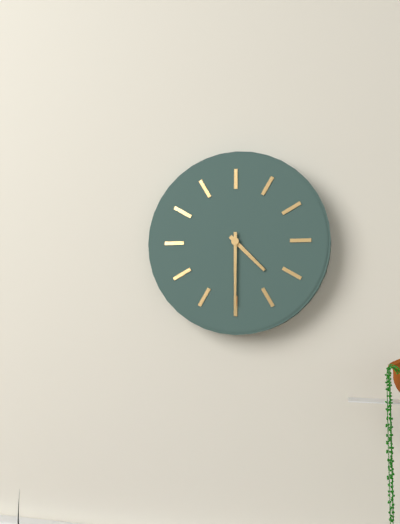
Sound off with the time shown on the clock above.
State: 4:30
